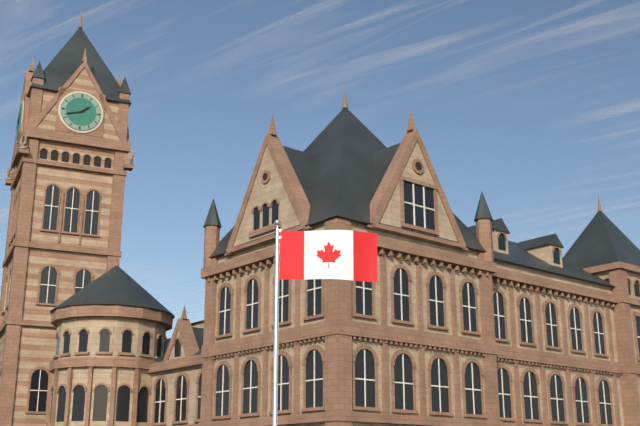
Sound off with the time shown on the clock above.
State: 1:42
